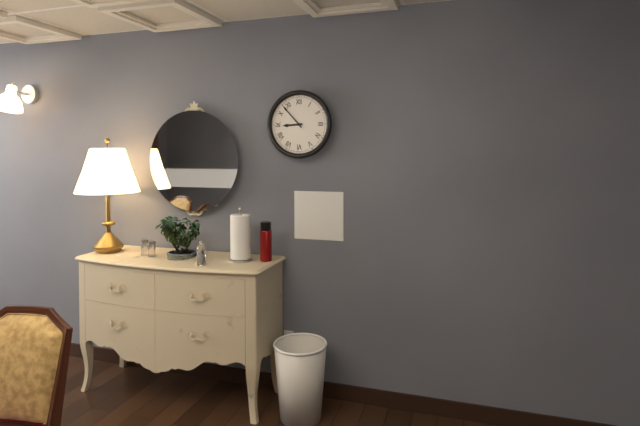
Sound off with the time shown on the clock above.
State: 8:53
